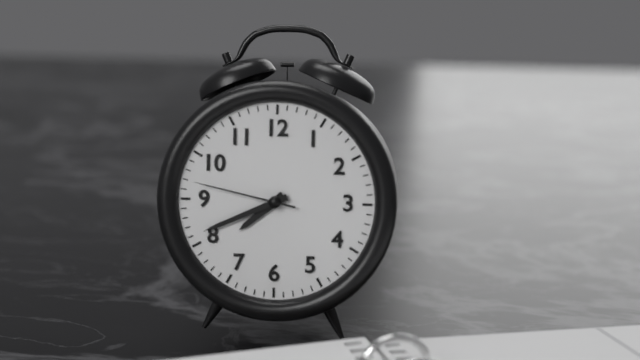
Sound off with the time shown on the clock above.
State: 7:41:47
